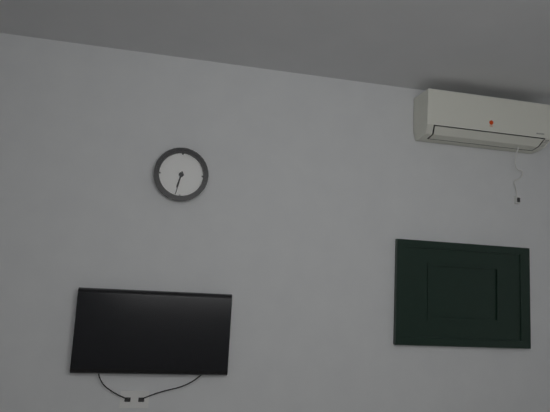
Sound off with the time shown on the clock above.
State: 6:32
